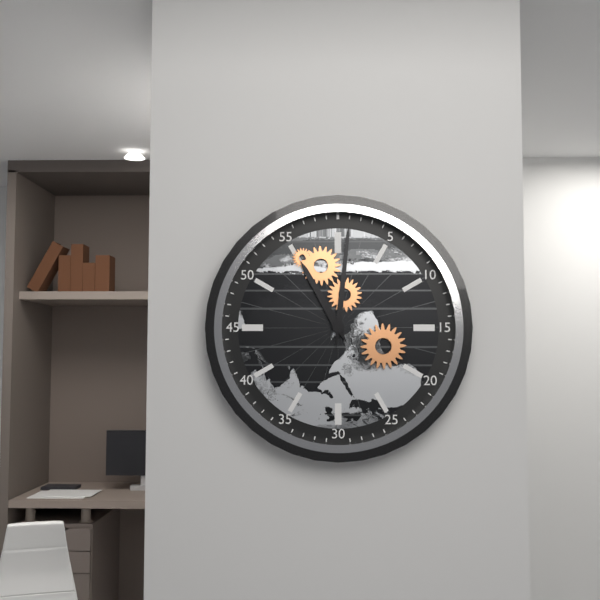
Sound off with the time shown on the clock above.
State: 11:01
